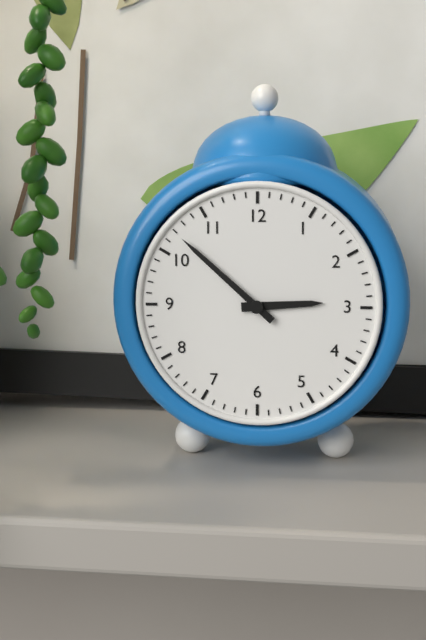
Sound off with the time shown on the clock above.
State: 2:52
